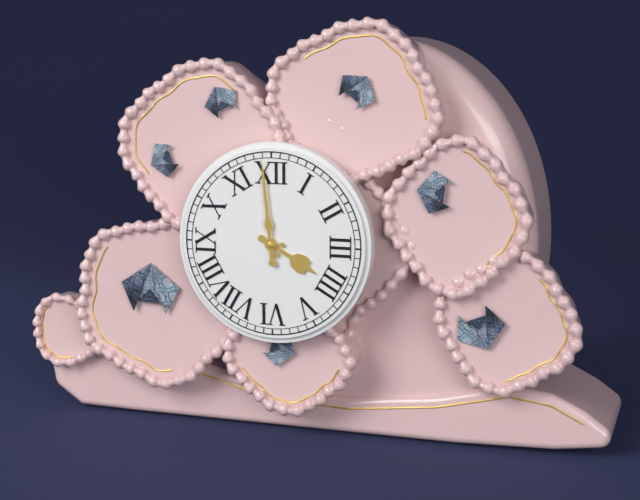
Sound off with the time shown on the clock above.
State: 3:59
